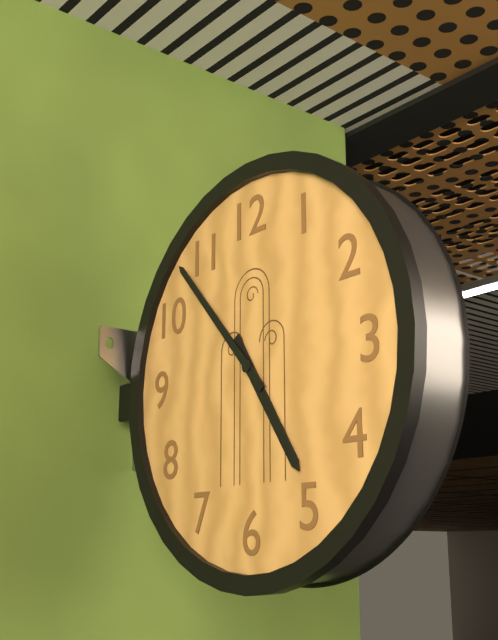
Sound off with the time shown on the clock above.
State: 4:53
